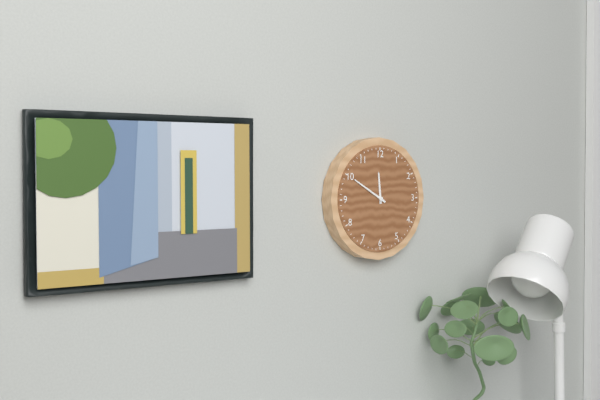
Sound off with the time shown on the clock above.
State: 11:50
